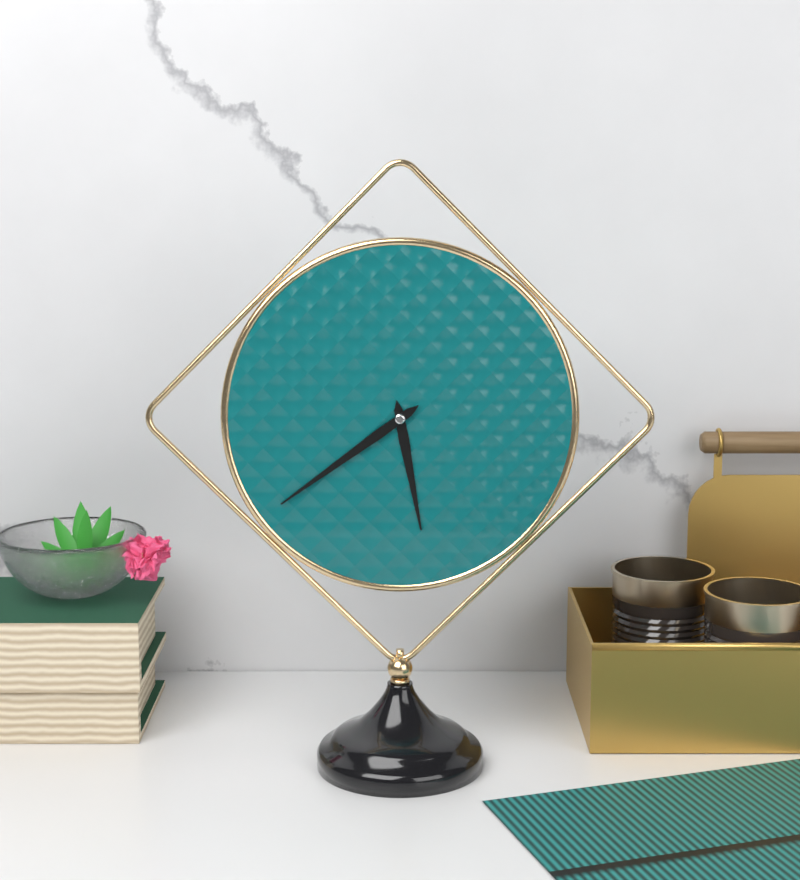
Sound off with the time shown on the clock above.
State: 5:39
